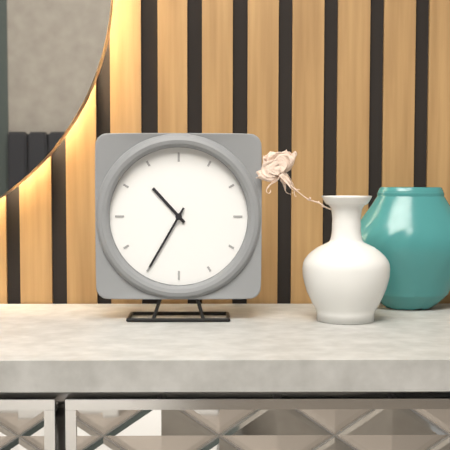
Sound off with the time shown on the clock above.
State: 10:35
